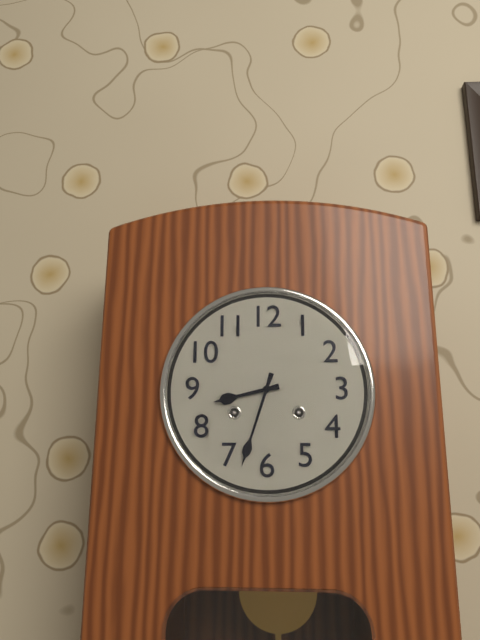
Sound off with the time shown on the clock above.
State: 8:33
